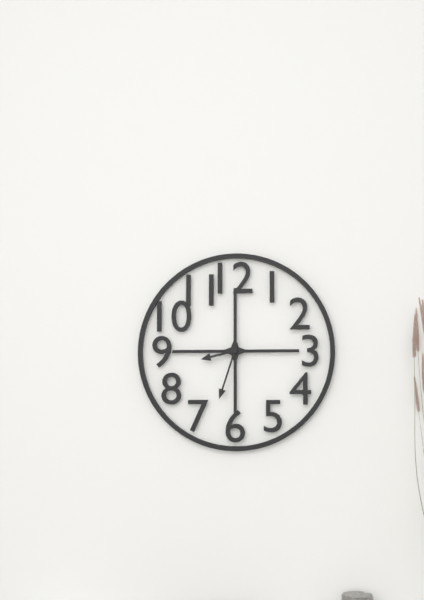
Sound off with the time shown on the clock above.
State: 8:33
